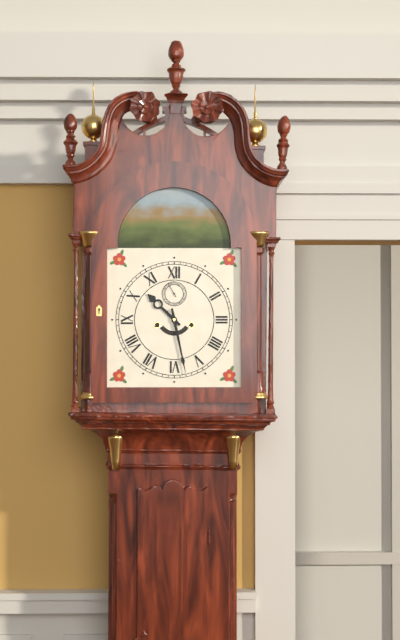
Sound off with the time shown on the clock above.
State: 10:28
